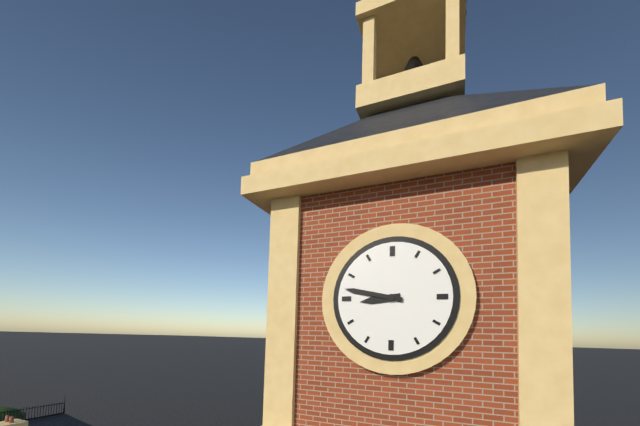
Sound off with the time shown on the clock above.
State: 8:47
